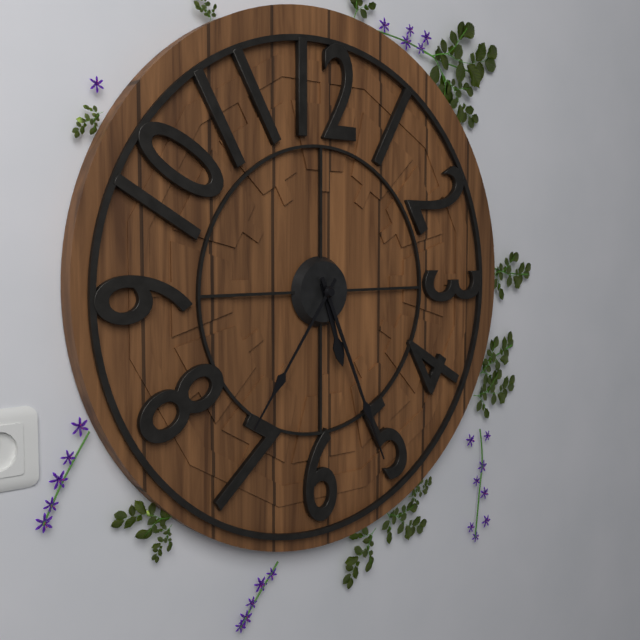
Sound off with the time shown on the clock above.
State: 5:26:36
